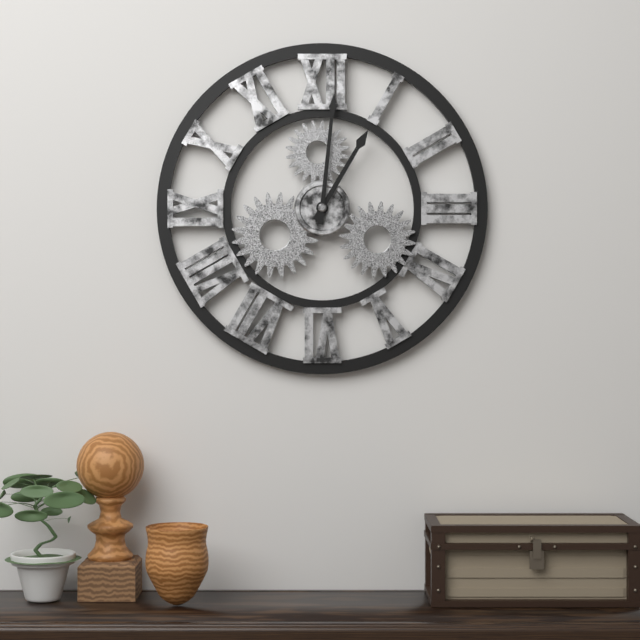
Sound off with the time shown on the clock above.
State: 1:01
